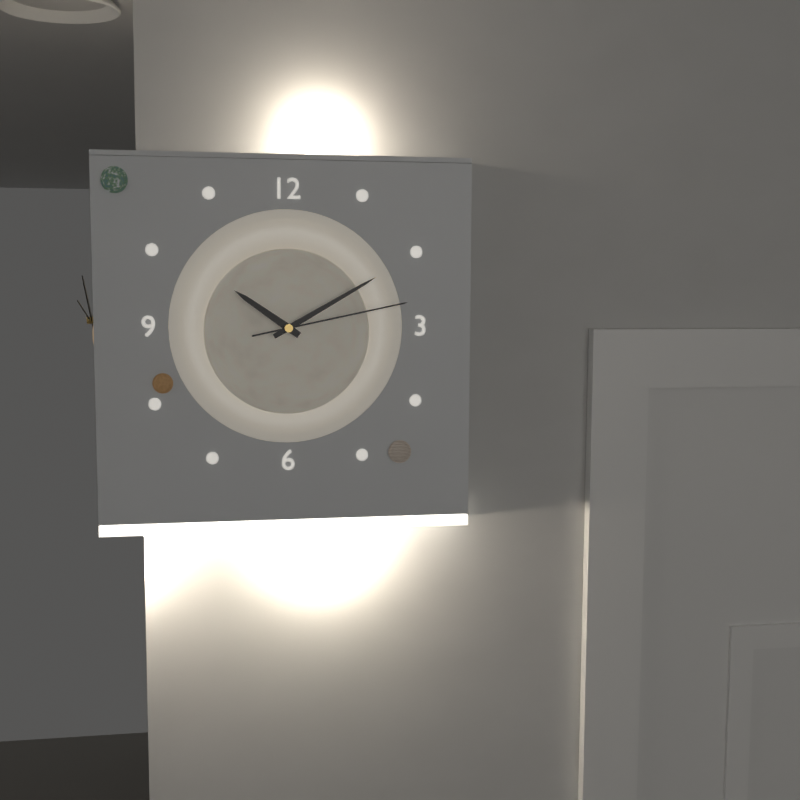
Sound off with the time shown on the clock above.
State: 10:10:13
